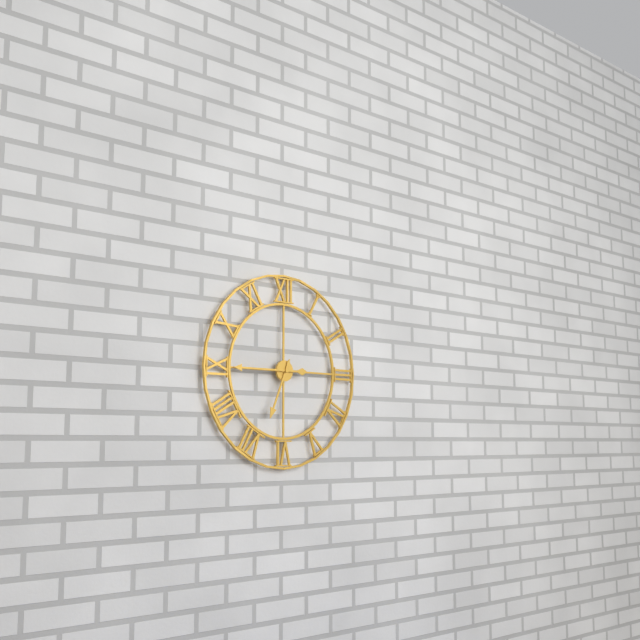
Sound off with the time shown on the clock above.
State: 6:45
